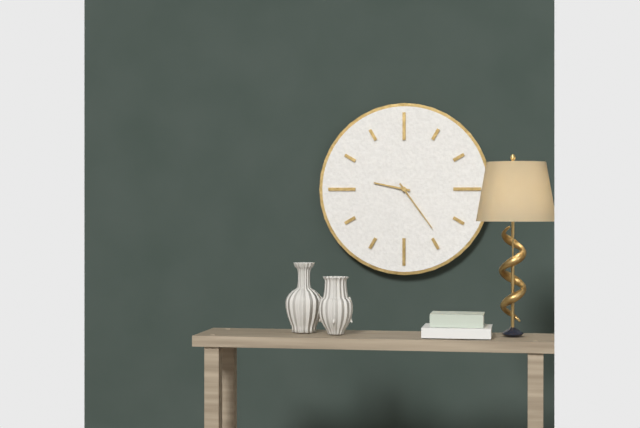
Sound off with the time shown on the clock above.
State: 9:24
